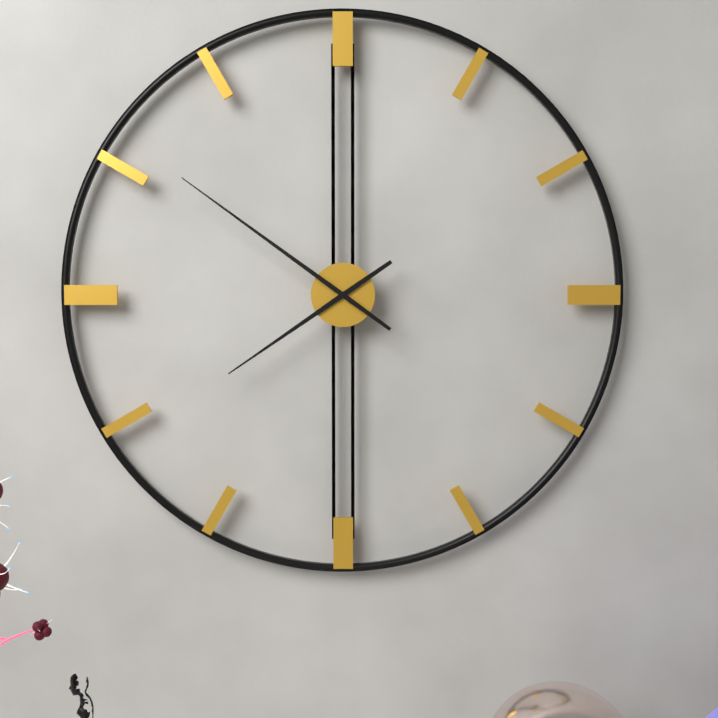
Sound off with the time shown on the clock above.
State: 7:51
